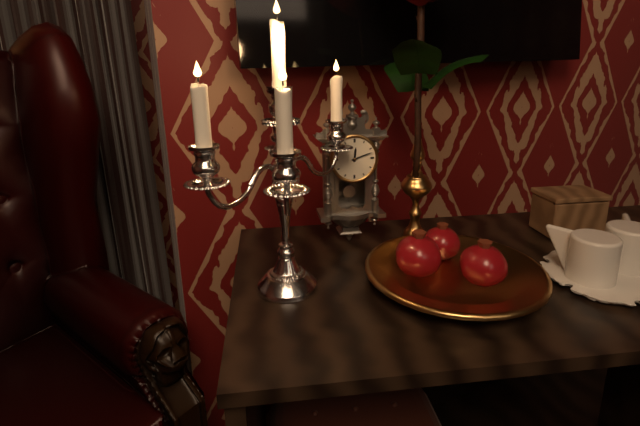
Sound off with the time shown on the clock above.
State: 12:12
